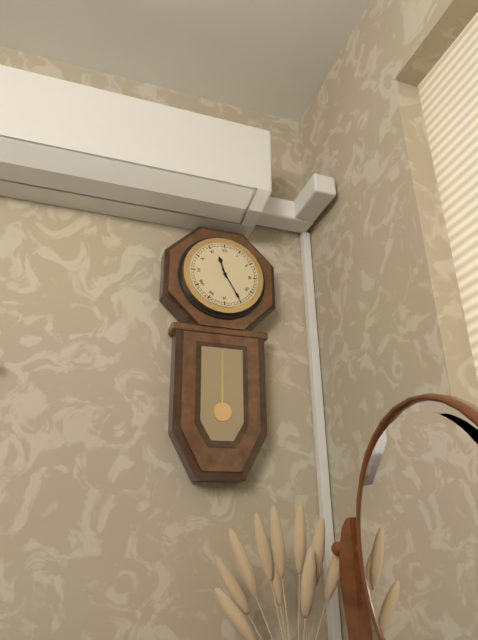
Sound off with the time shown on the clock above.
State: 11:25
